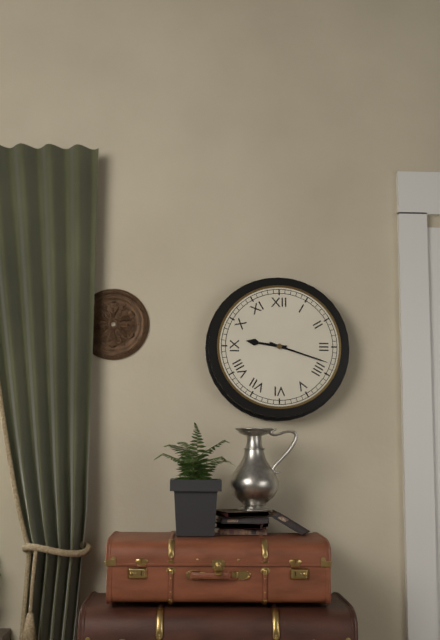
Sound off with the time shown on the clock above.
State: 9:18
